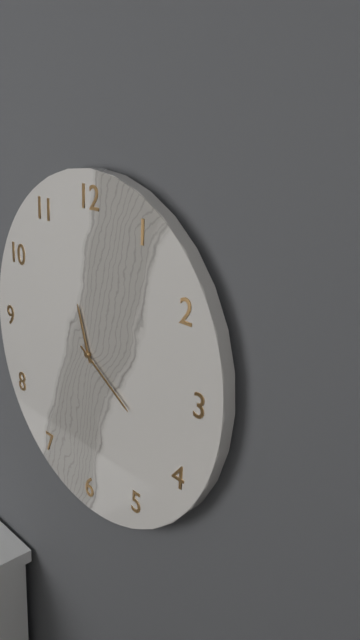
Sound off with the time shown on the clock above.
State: 11:20
